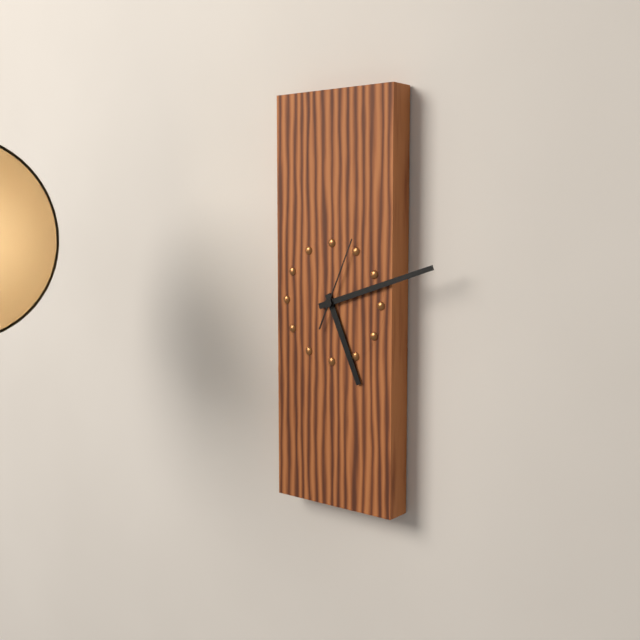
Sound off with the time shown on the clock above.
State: 5:12:04
